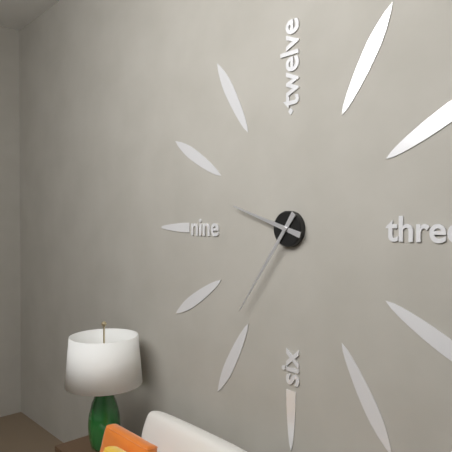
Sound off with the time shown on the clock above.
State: 9:36
